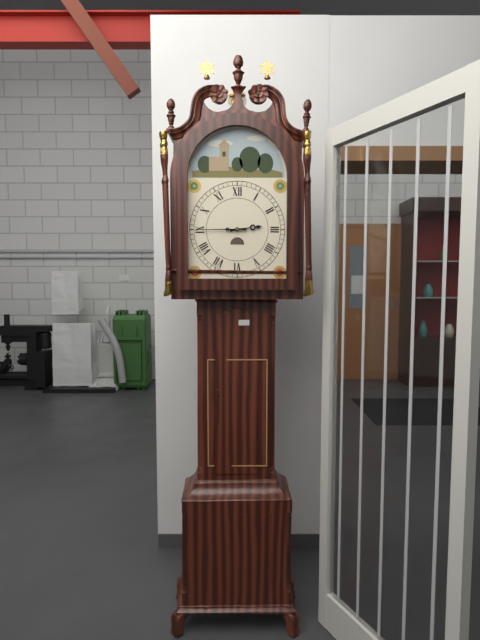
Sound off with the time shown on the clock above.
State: 2:45
